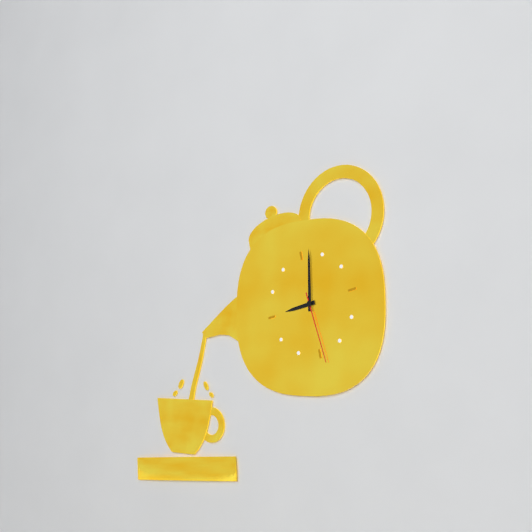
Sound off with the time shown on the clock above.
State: 9:02:29
